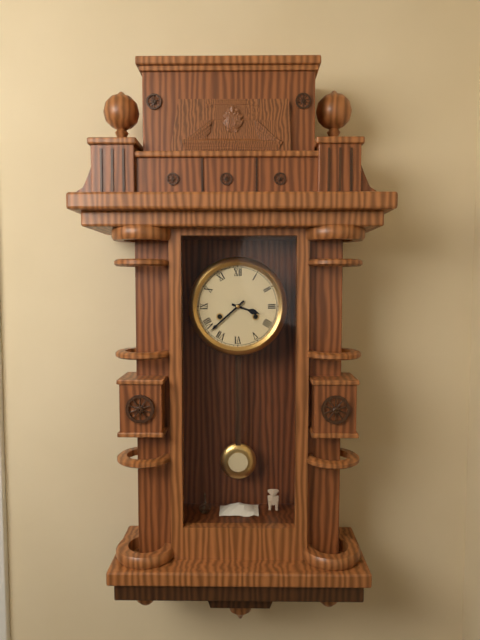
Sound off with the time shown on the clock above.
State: 3:38
